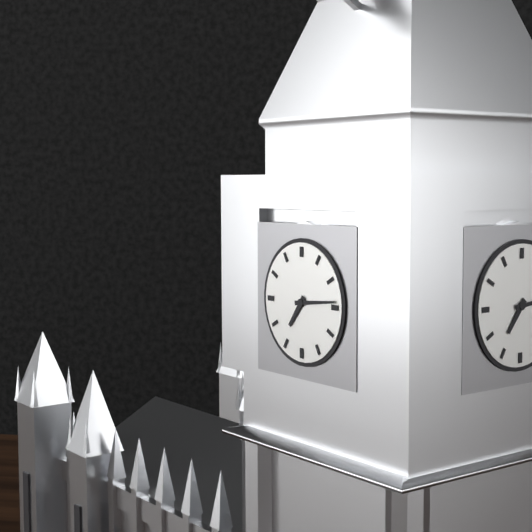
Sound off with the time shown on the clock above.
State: 7:14
